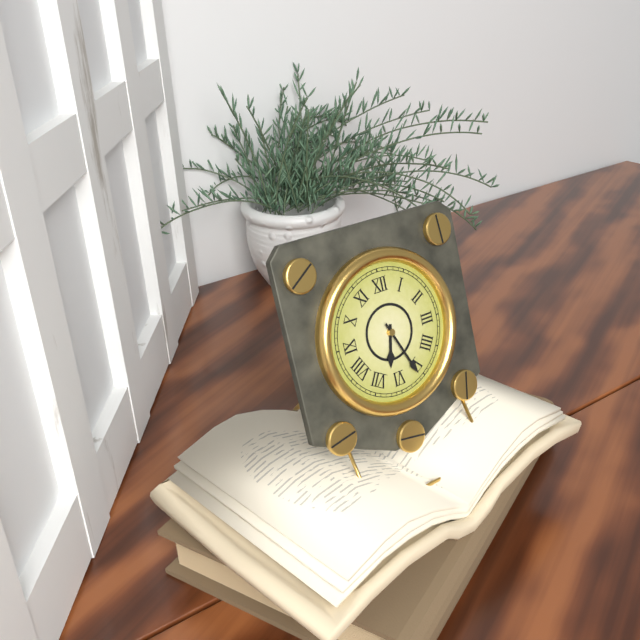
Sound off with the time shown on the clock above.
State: 6:26
